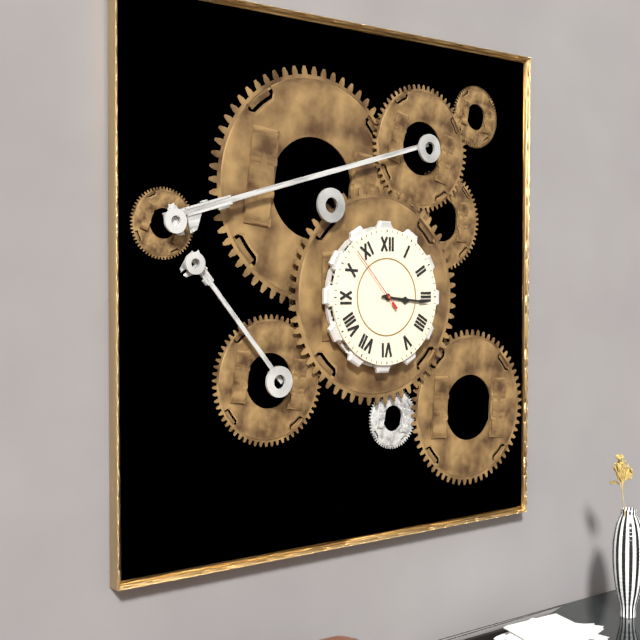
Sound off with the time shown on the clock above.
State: 3:16:53
